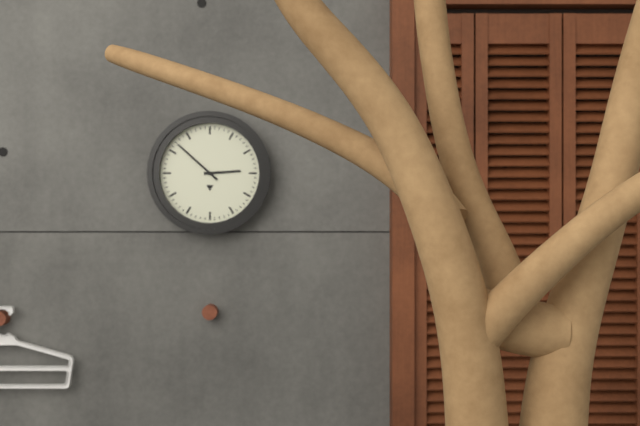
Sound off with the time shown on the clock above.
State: 2:52
